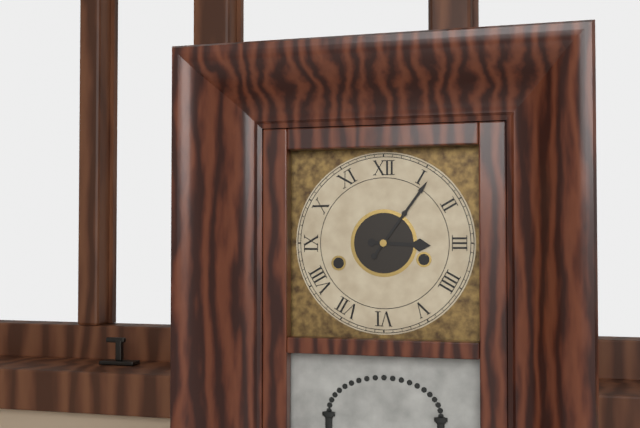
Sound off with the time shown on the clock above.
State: 3:06
